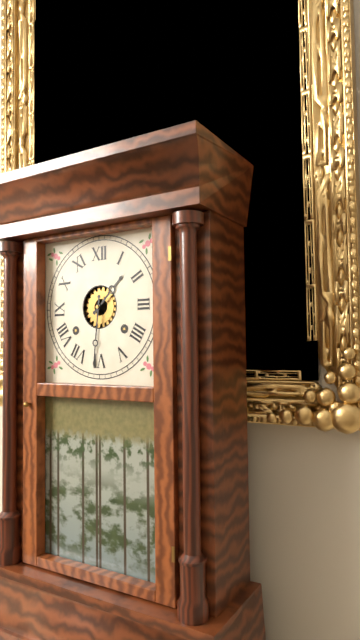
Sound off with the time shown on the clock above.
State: 1:31
